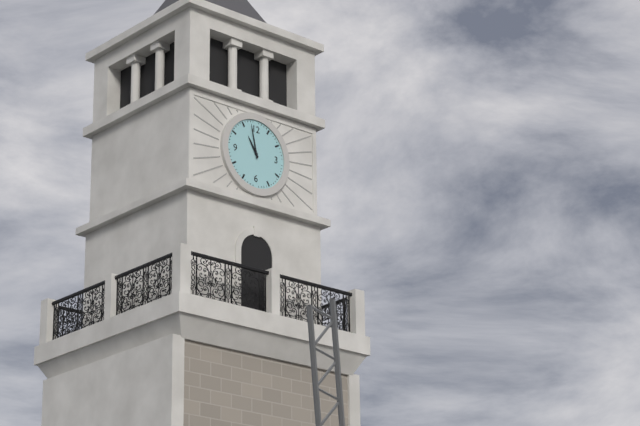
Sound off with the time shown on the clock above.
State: 10:58
